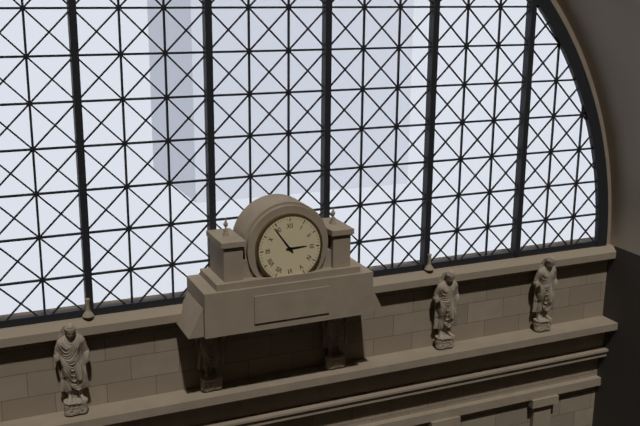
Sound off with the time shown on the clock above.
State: 2:54
